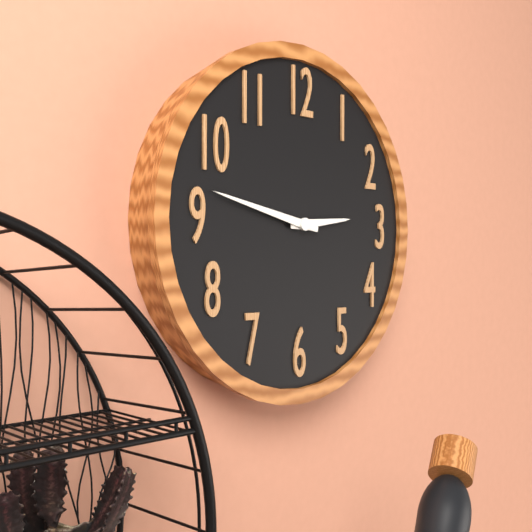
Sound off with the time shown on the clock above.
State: 2:47
